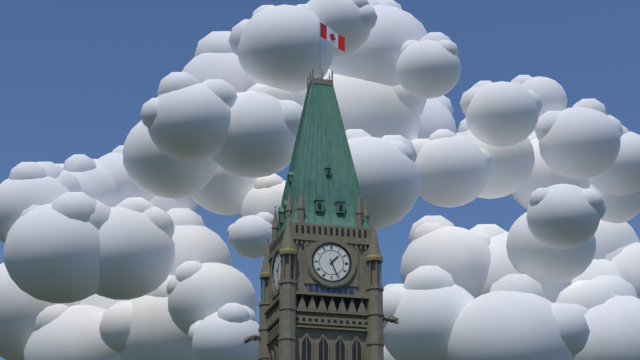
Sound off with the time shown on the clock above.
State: 1:26
